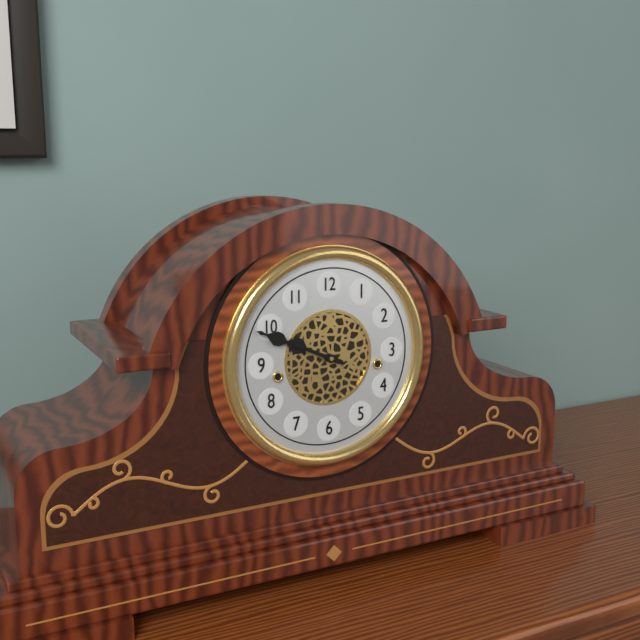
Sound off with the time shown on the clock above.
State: 9:49
